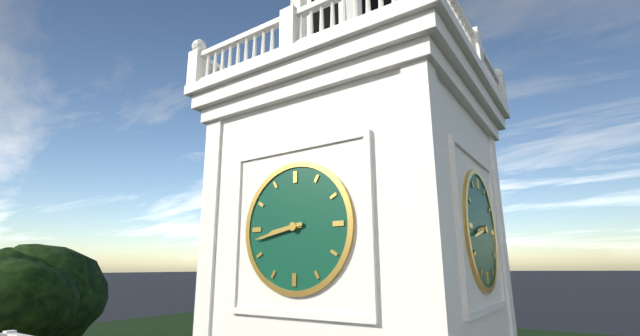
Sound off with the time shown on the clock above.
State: 8:43
